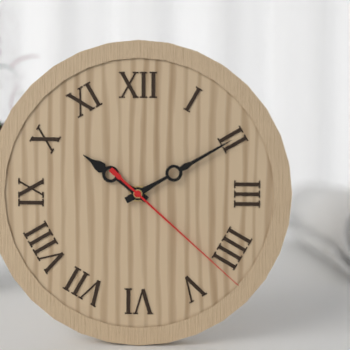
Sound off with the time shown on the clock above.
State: 10:10:22
